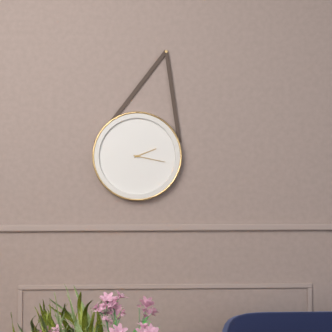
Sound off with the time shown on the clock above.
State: 2:17
